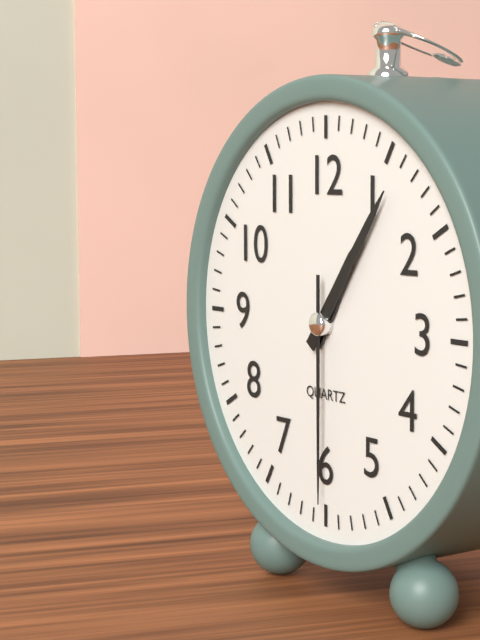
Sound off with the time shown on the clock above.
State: 1:06:30
